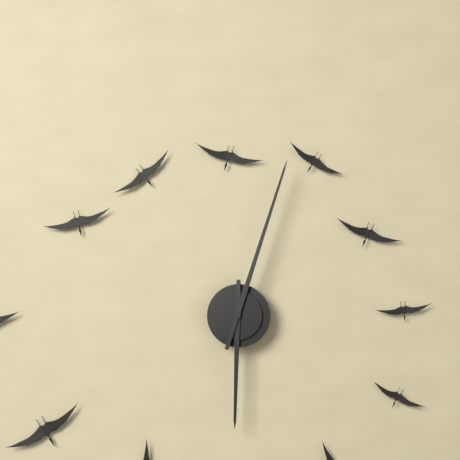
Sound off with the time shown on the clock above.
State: 6:03
